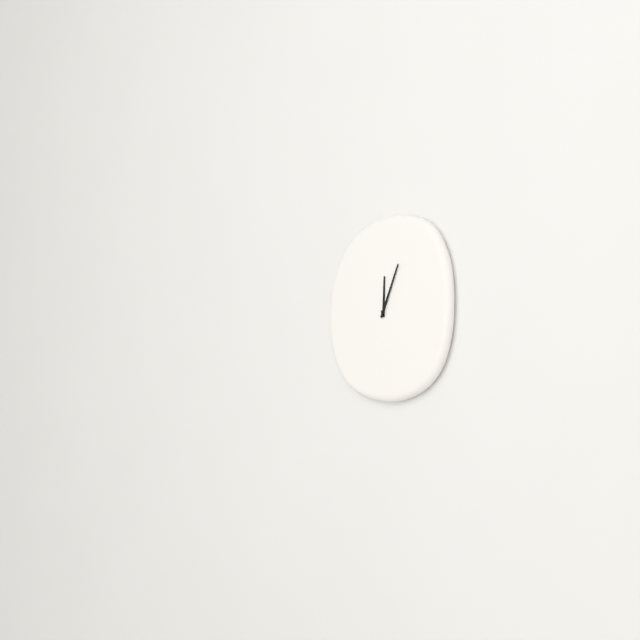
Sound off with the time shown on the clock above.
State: 12:04
